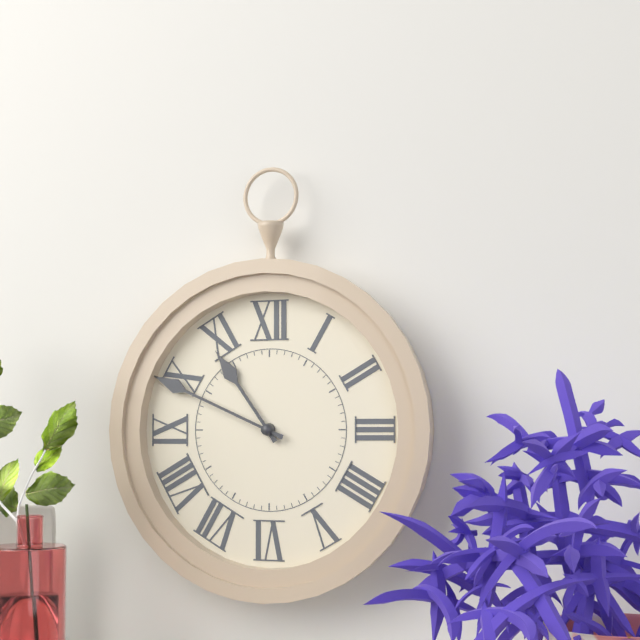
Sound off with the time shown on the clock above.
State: 10:49
